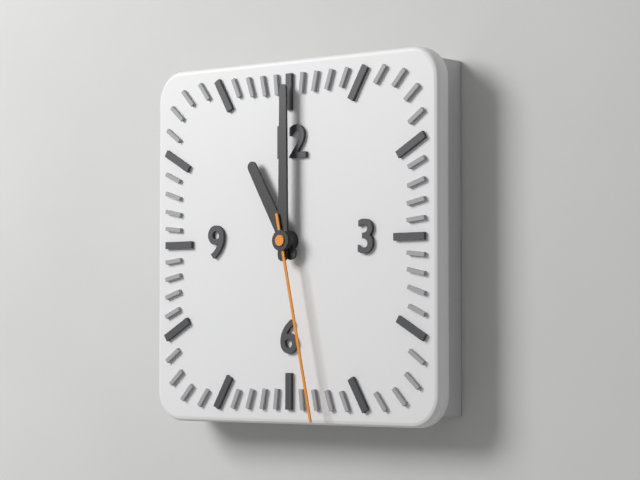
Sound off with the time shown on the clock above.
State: 11:00:28
